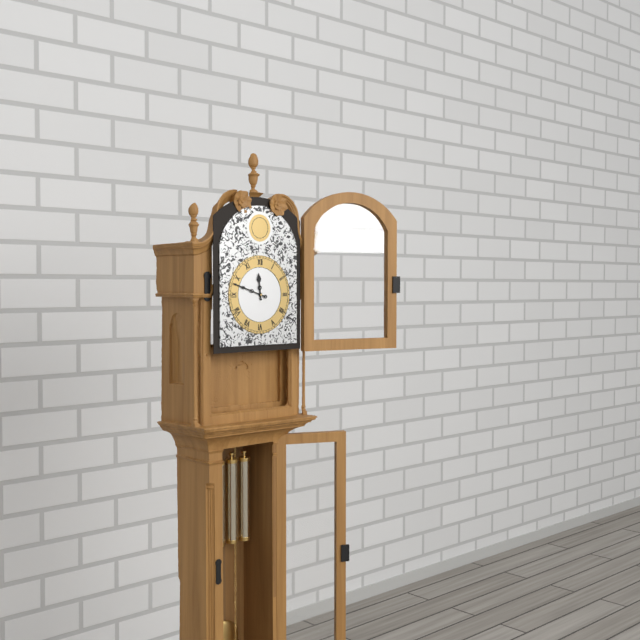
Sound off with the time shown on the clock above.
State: 11:48
